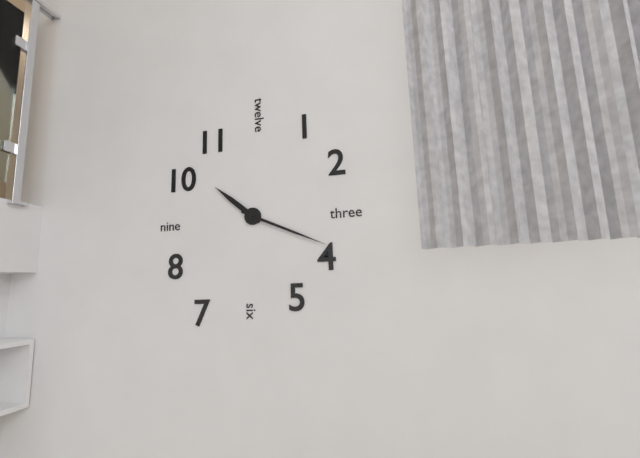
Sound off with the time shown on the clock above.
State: 10:19
